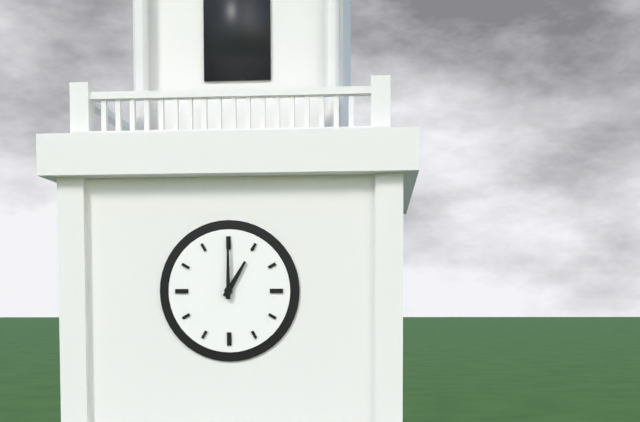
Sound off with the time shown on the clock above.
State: 1:00
